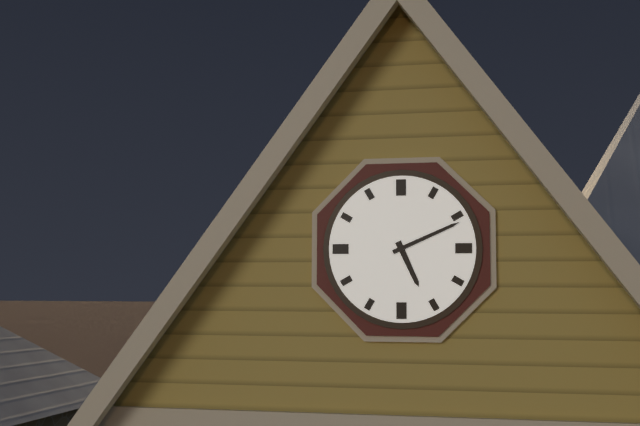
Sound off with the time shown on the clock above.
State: 5:11
